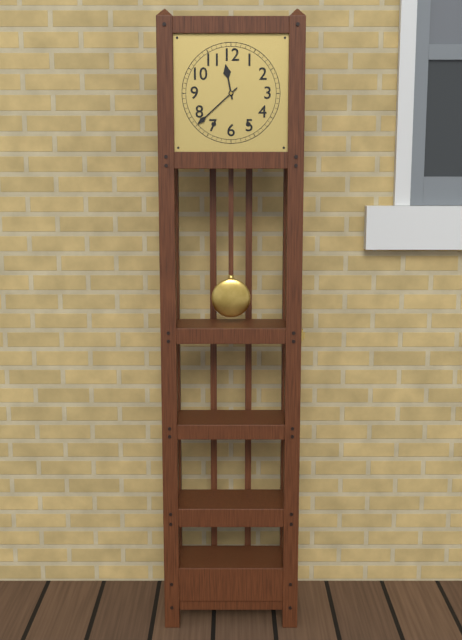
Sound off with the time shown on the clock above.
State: 11:38
